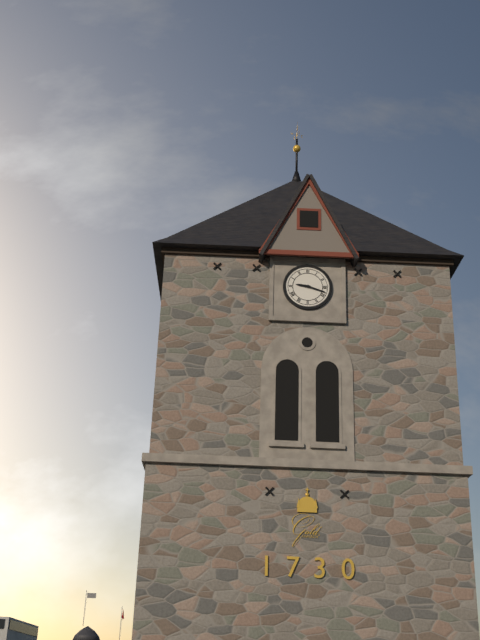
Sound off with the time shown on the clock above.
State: 9:18
